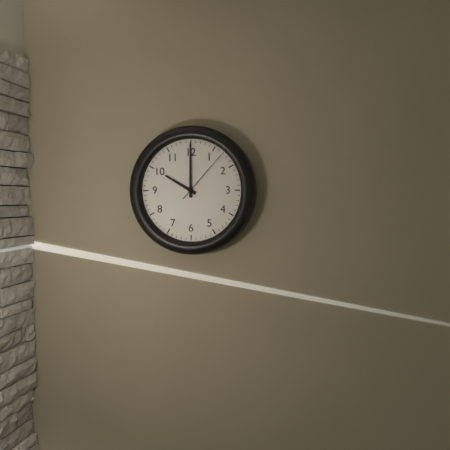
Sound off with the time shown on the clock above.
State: 10:00:07
